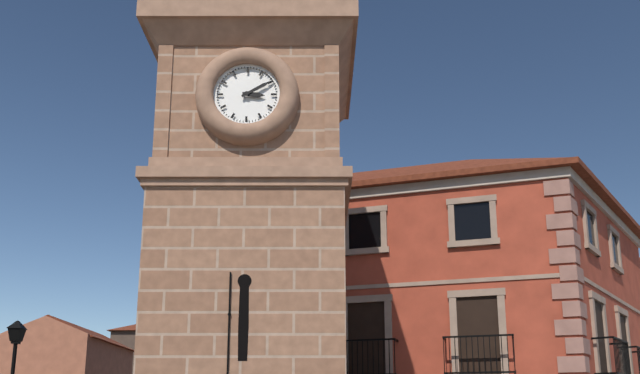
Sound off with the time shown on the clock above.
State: 3:10
